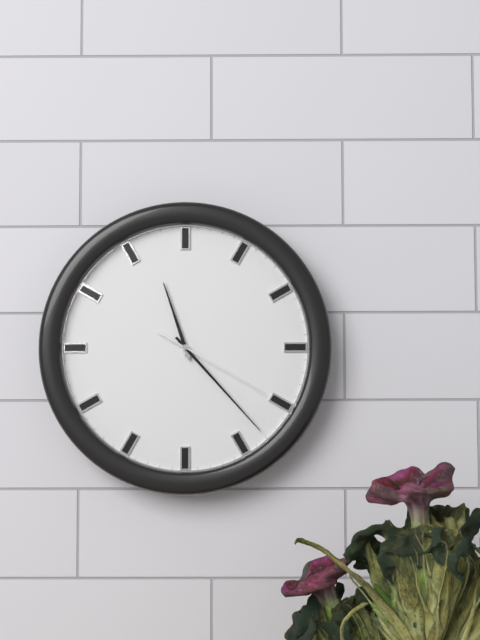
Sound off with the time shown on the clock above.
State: 11:23:20
